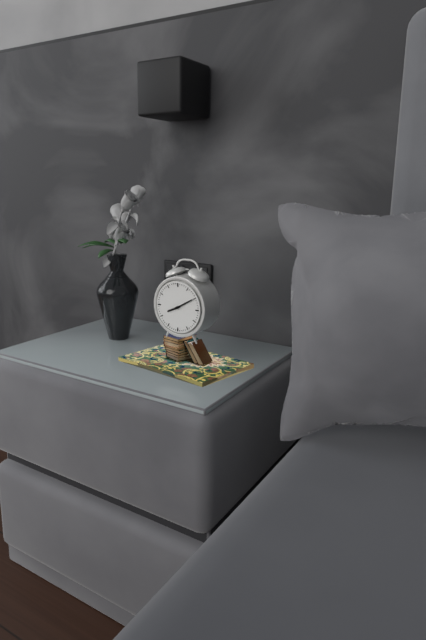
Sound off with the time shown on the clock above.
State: 8:10
